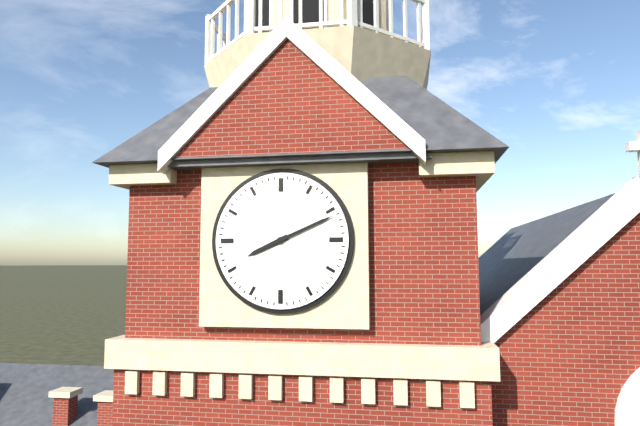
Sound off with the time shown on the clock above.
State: 8:11
